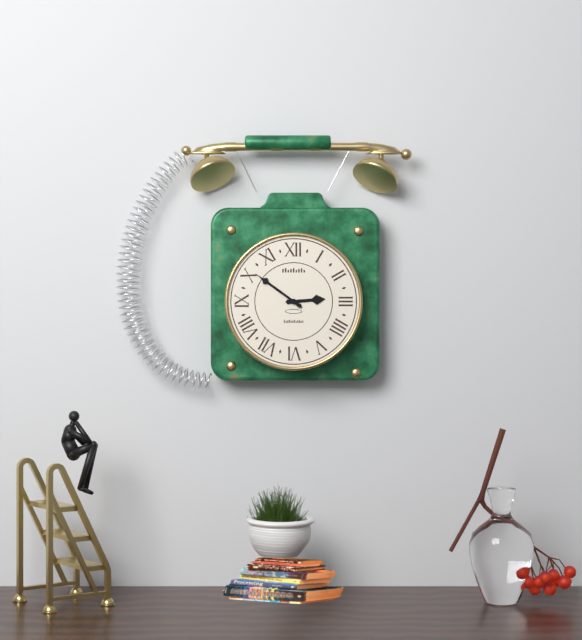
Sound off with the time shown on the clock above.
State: 2:51
